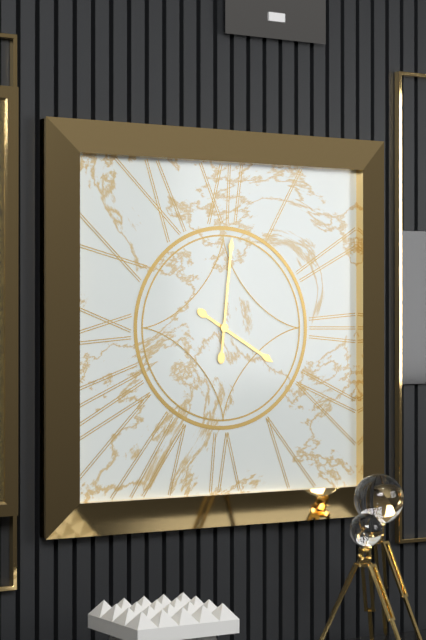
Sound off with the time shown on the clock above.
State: 4:01
